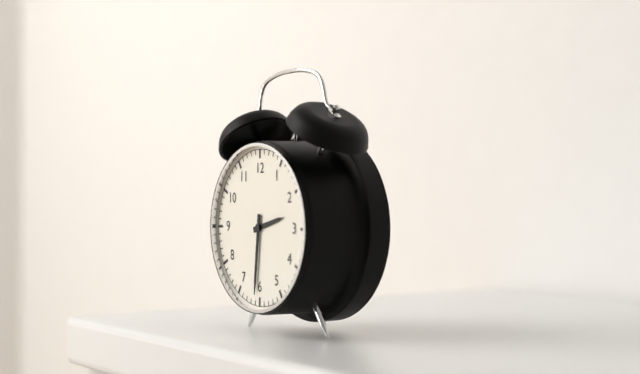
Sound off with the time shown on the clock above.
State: 2:31
